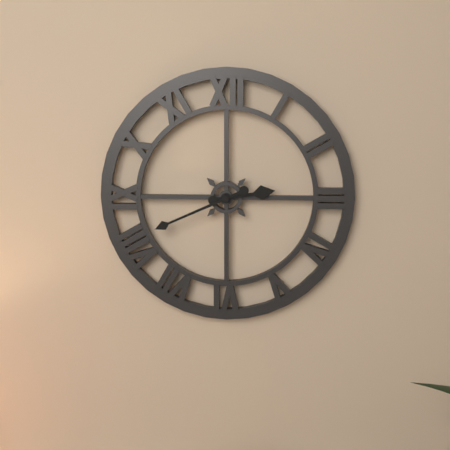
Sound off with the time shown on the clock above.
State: 2:41
